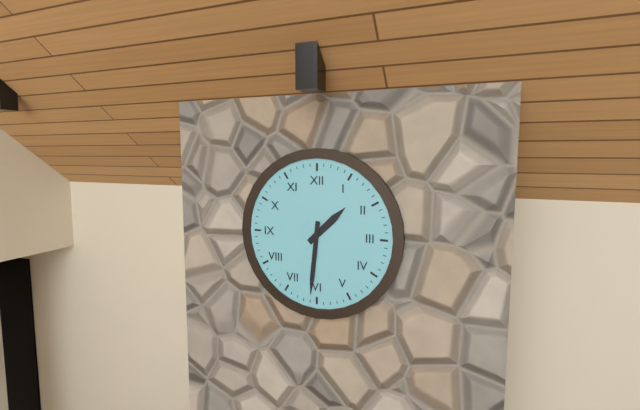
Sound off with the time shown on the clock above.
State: 1:31
